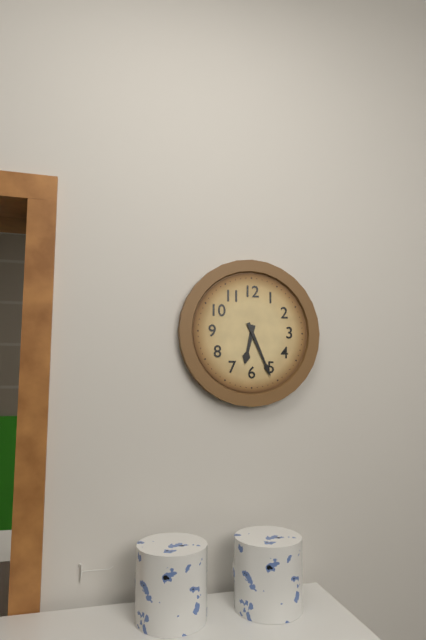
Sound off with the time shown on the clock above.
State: 6:26
